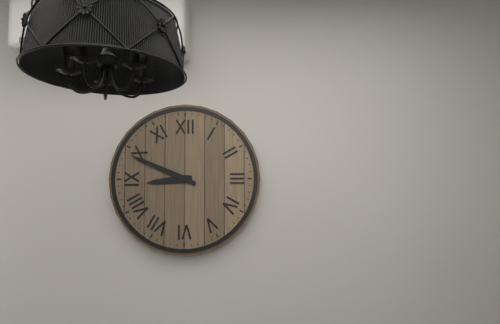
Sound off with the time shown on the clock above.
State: 8:49
